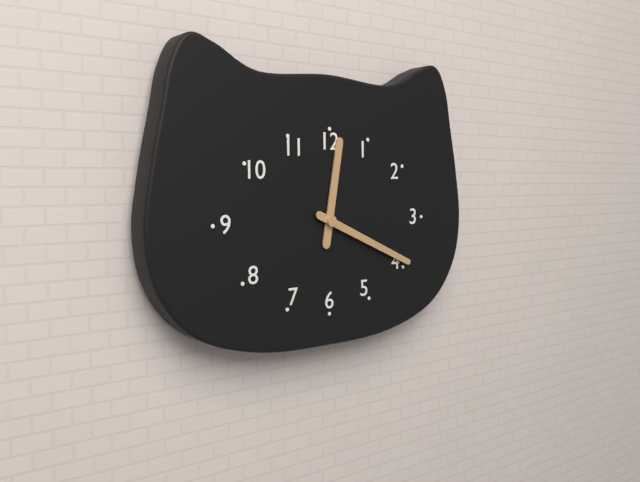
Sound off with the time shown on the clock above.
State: 12:19
